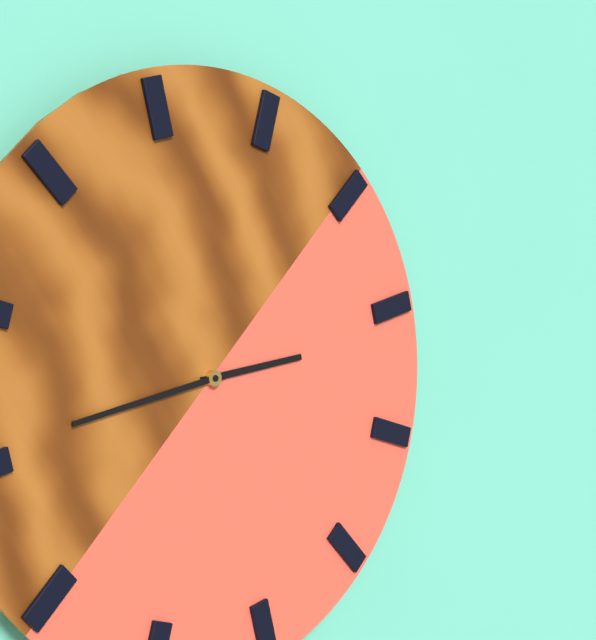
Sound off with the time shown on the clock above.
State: 2:43
